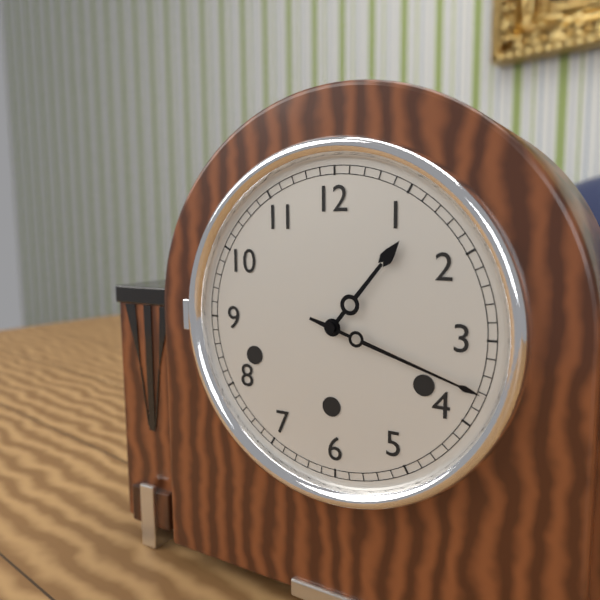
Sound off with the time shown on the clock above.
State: 1:18
